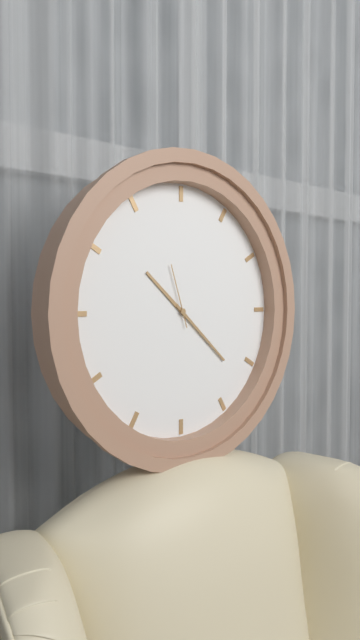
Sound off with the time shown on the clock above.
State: 10:22:57
